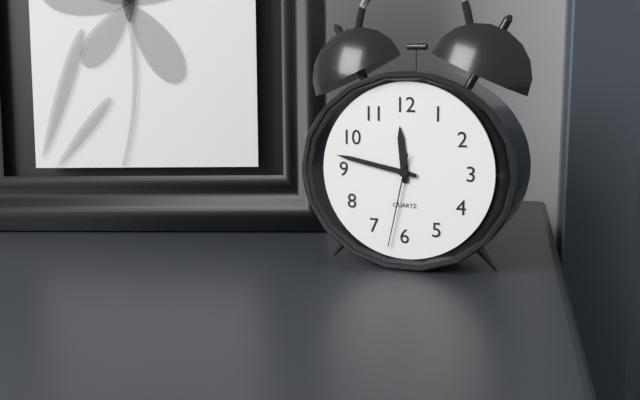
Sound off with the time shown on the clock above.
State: 11:47:32
